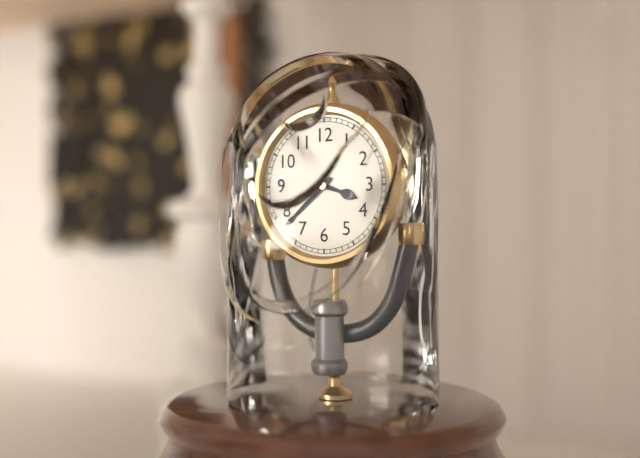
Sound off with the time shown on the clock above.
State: 3:38
